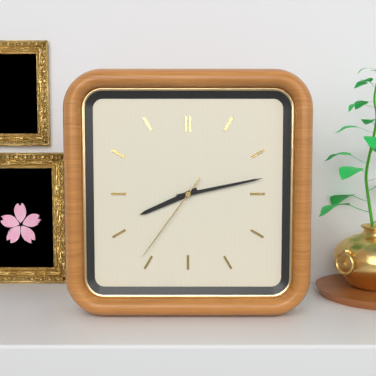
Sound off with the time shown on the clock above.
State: 8:13:36
